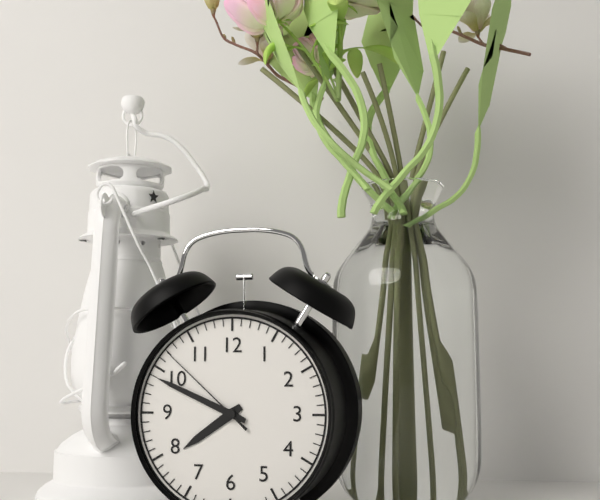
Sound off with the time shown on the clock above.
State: 7:49:52
